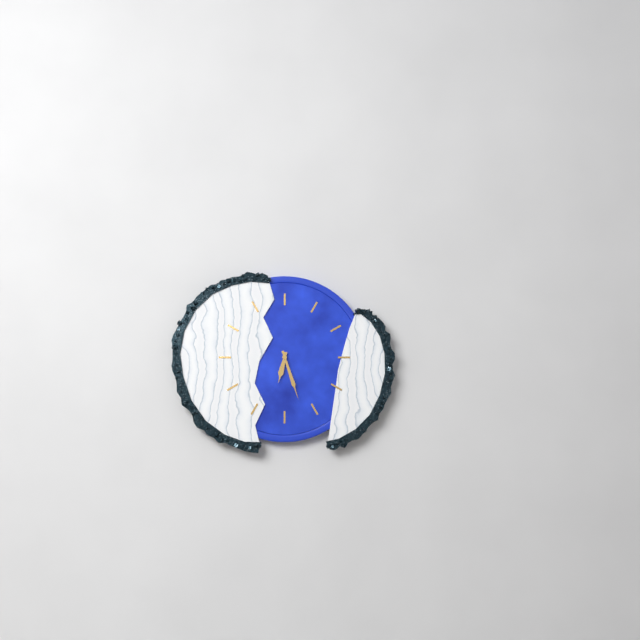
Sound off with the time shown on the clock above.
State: 6:27
